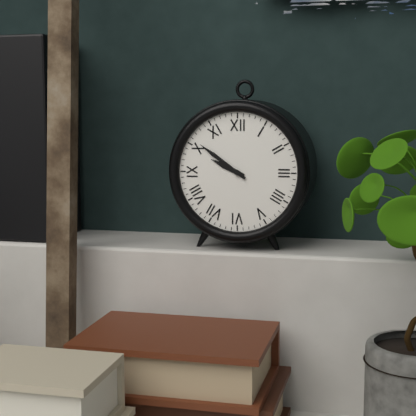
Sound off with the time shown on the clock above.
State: 9:51
